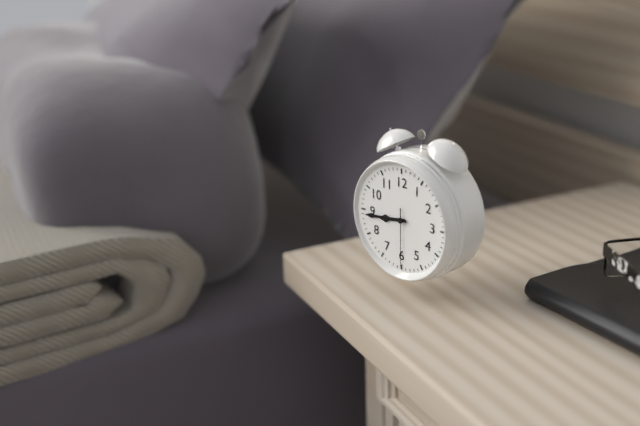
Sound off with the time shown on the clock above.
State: 8:44:30
